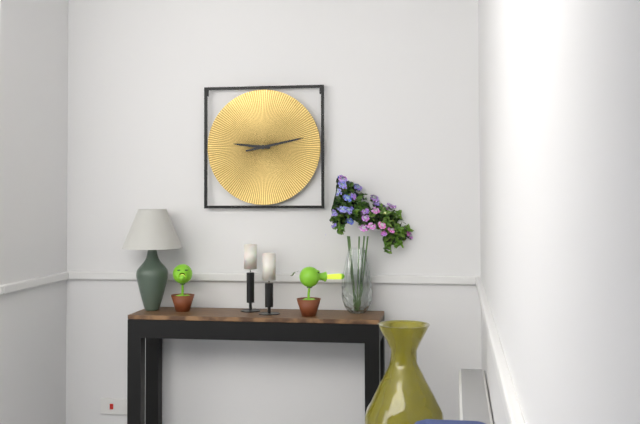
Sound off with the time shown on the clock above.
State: 9:13
